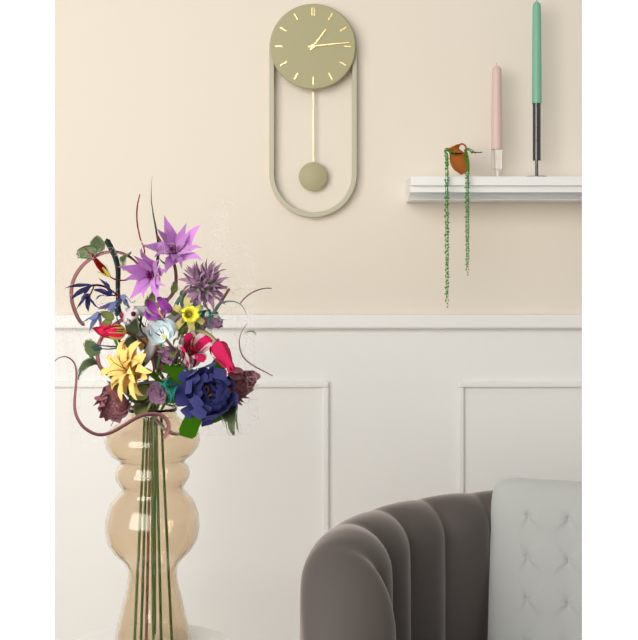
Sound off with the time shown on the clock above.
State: 1:14
